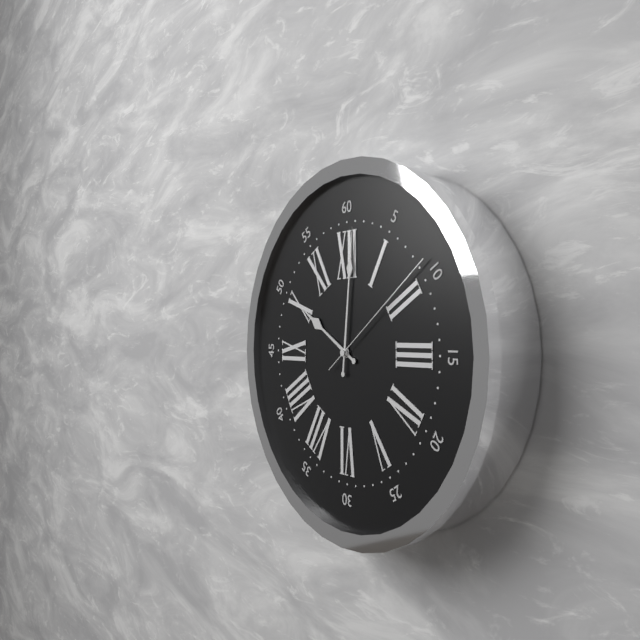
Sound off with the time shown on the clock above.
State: 10:01:09
